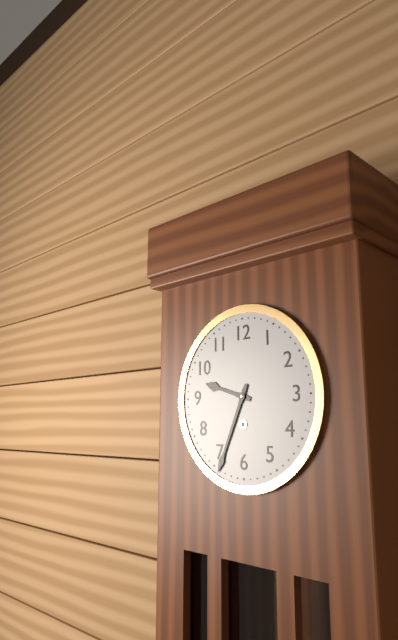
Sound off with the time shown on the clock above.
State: 9:34
